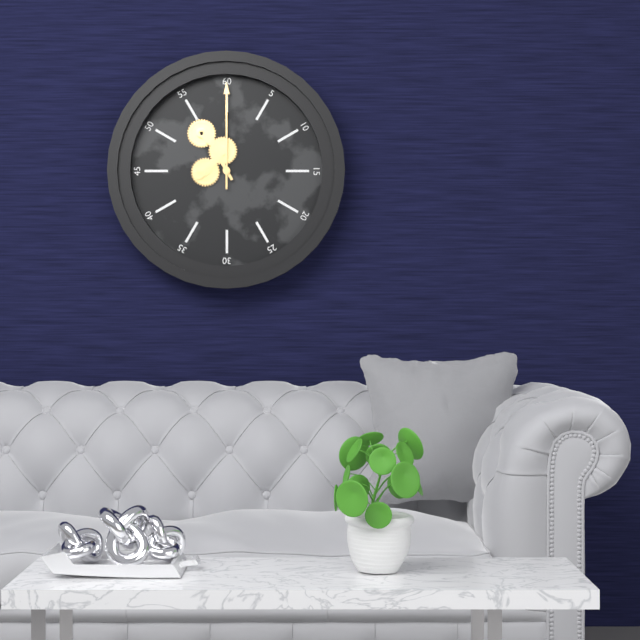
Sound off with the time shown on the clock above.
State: 11:00
